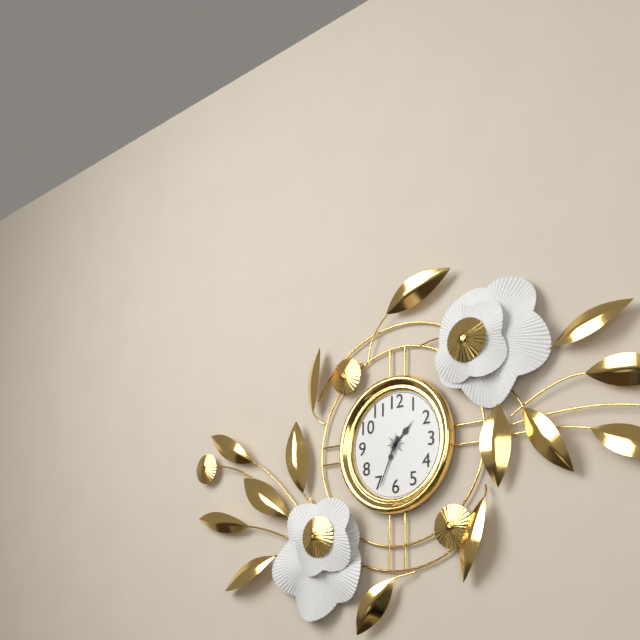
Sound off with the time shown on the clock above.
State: 1:34
